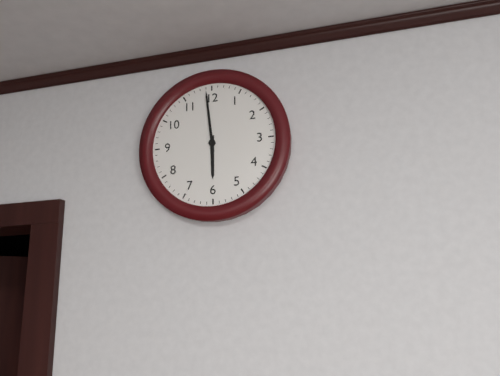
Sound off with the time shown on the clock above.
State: 5:59
